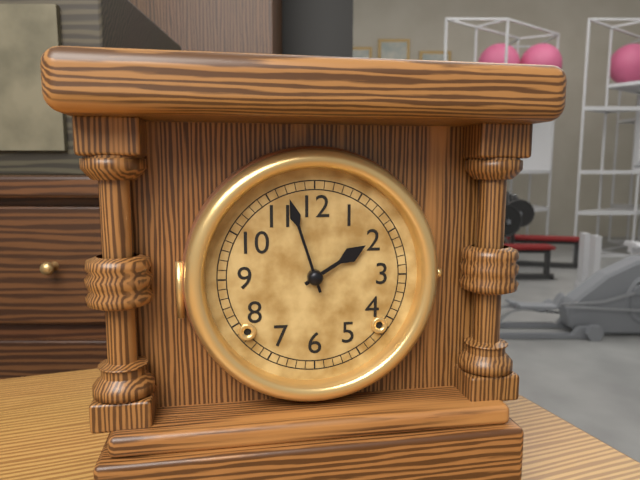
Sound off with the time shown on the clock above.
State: 1:57
